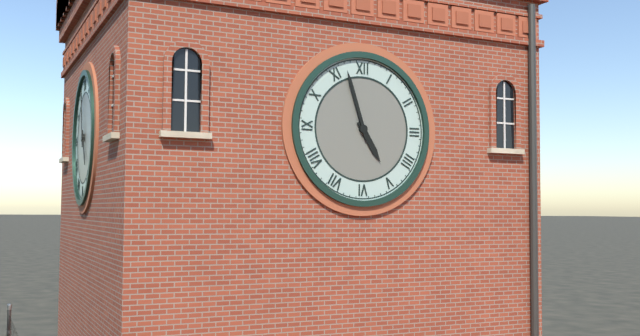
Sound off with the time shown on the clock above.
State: 4:57
